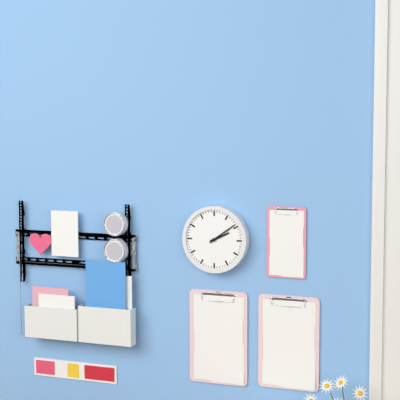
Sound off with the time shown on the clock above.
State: 2:09
